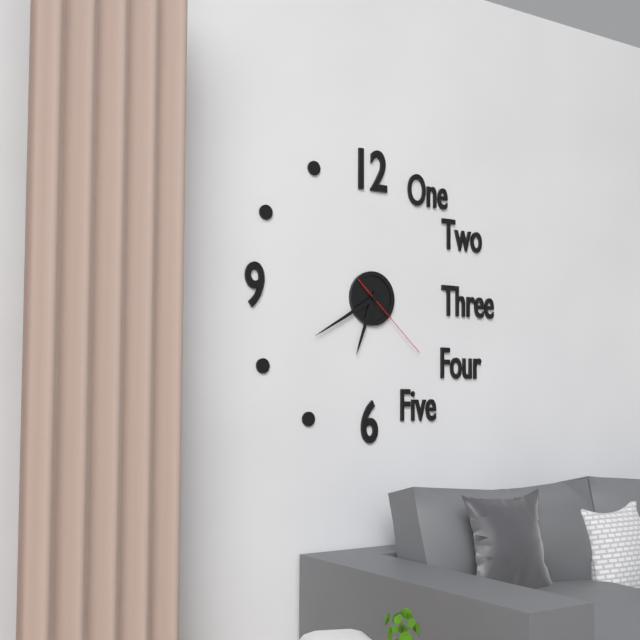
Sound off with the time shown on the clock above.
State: 6:40:22
